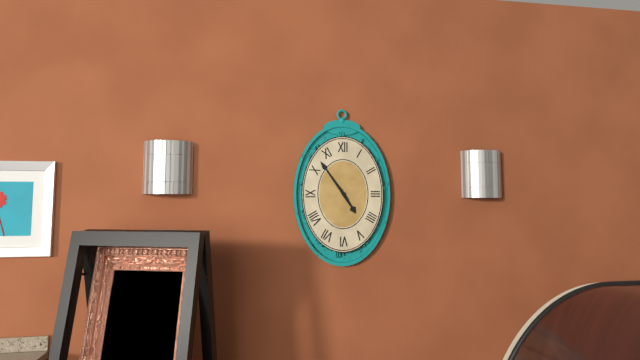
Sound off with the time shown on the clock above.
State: 4:54
